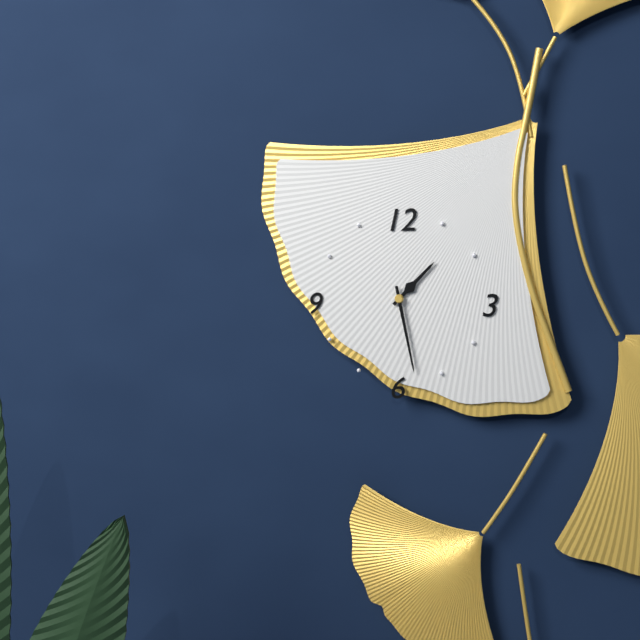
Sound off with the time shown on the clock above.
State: 1:28
